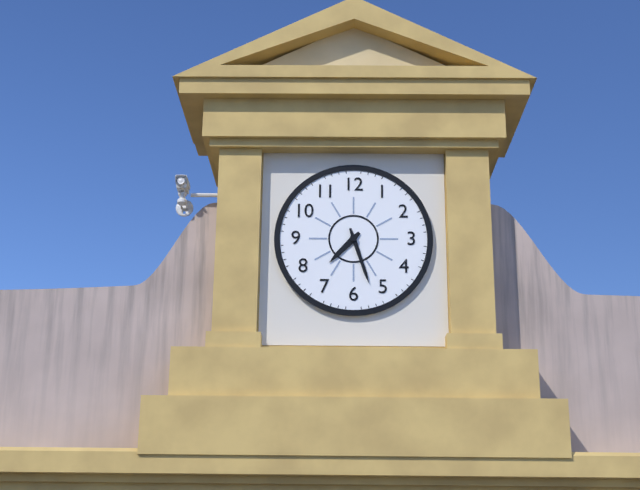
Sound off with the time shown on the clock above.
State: 7:27
